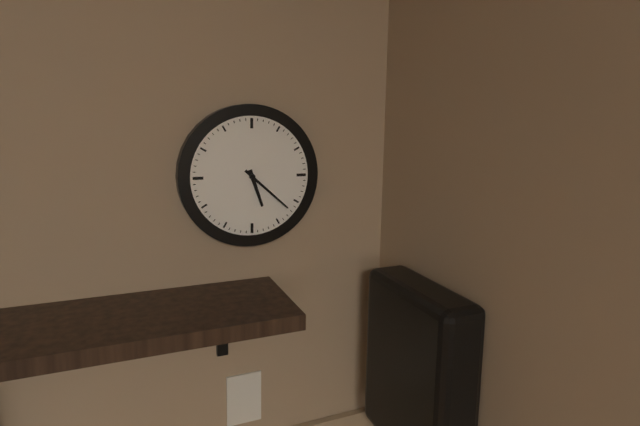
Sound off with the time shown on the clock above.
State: 5:22
